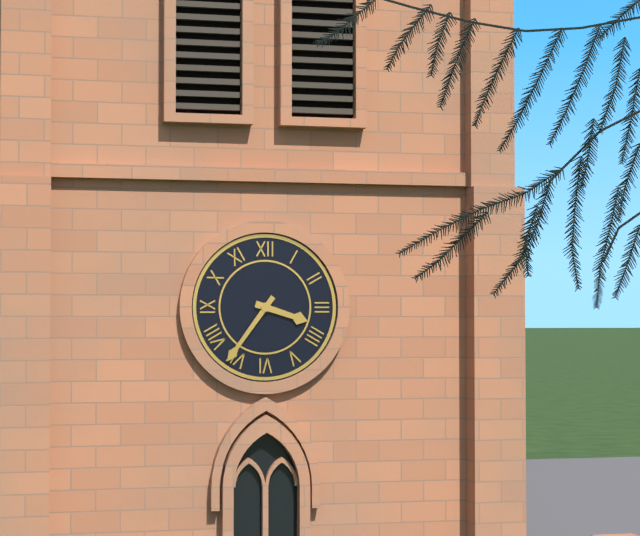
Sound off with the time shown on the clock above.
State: 3:36
